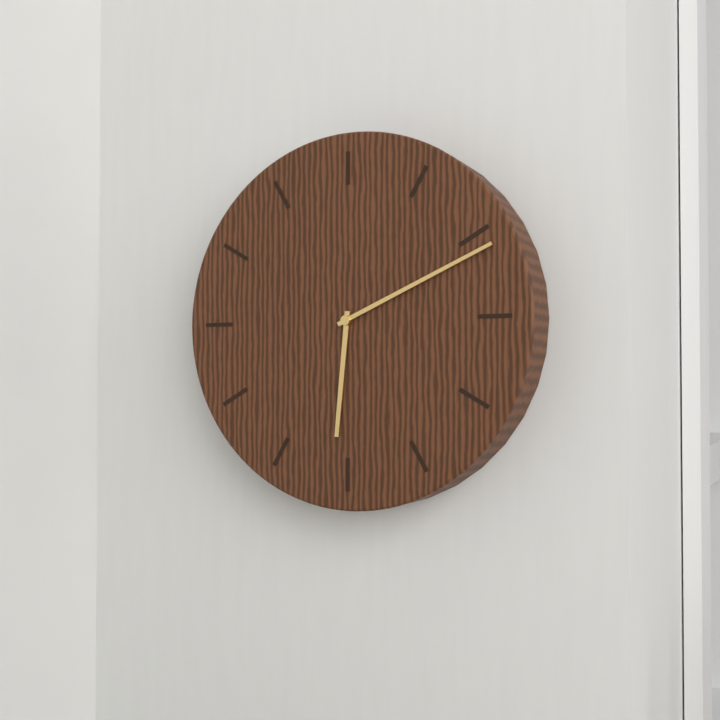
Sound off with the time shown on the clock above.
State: 6:11
